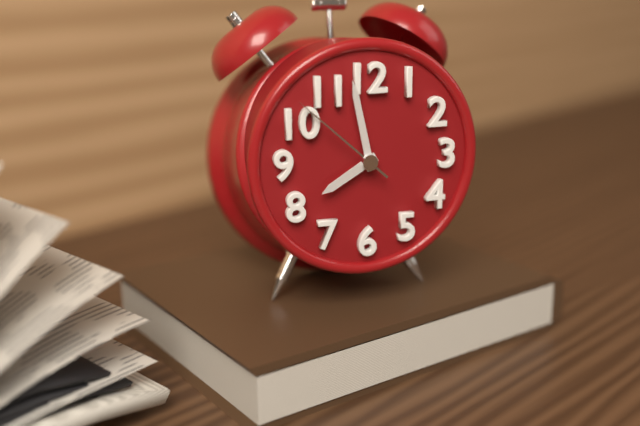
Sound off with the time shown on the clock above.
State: 7:58:52
